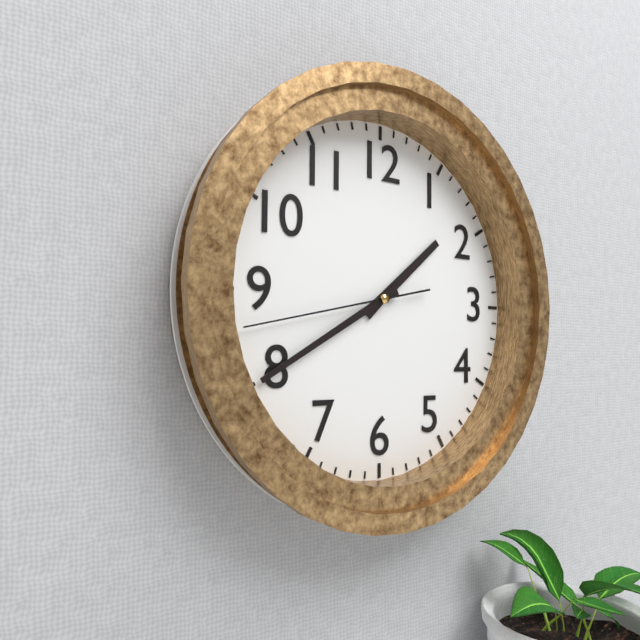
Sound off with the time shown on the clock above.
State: 1:40:43
